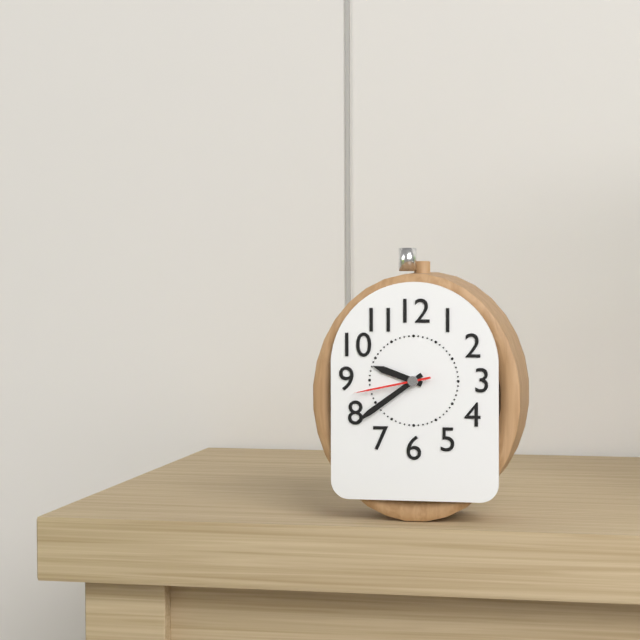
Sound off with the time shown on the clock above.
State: 9:39:43
